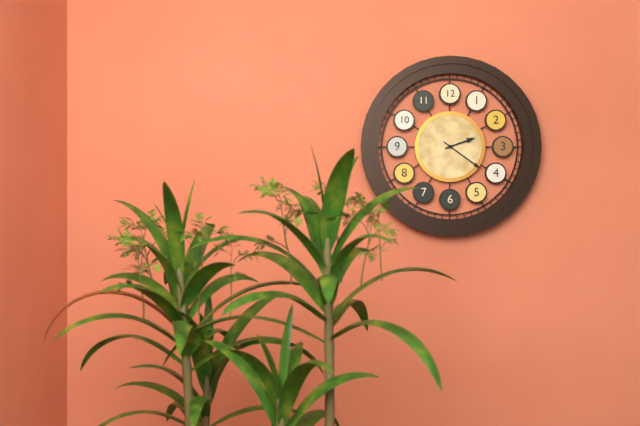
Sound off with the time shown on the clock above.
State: 2:21
